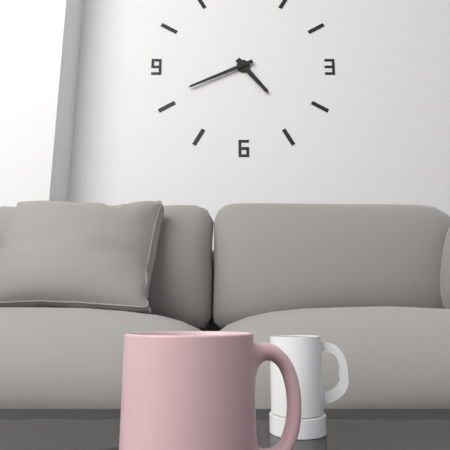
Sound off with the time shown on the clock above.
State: 4:41
